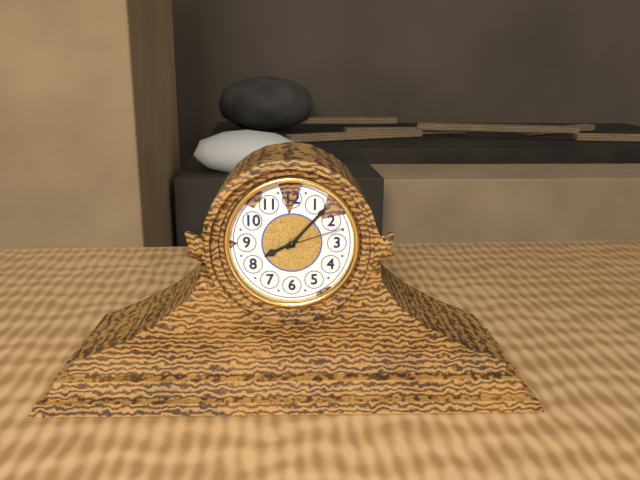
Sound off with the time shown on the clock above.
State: 8:07:12
